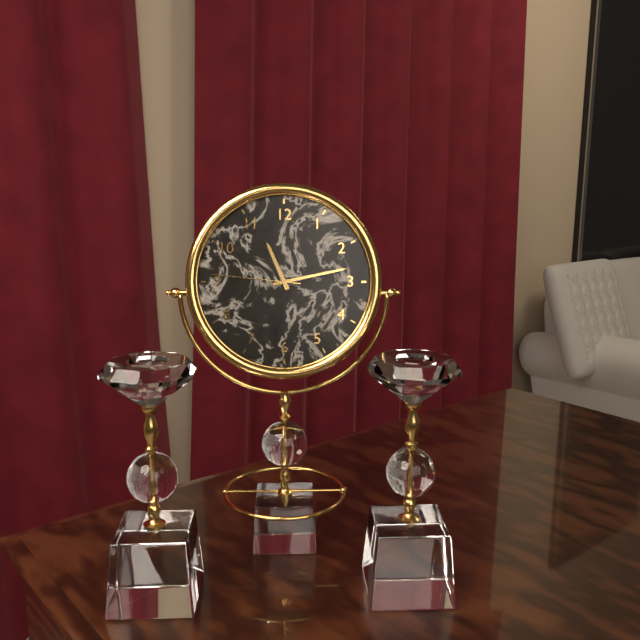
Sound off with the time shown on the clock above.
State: 11:13:46
